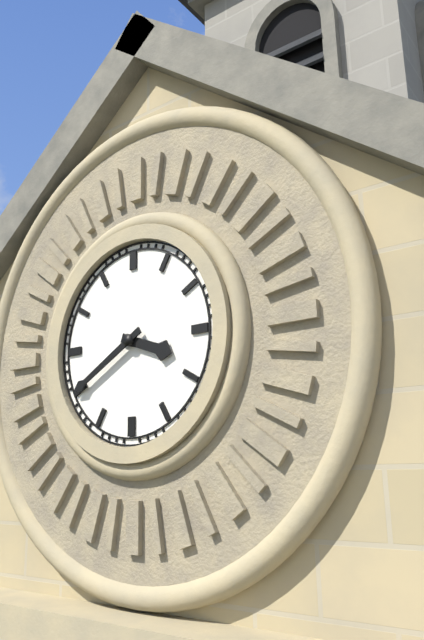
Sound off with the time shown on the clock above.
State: 3:40
